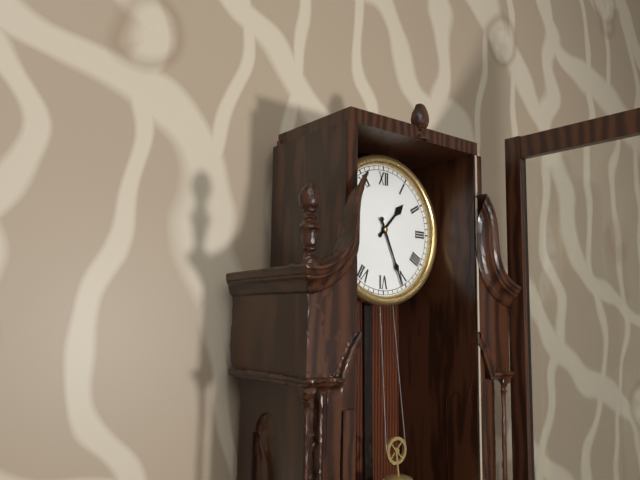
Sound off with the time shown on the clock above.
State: 1:26
